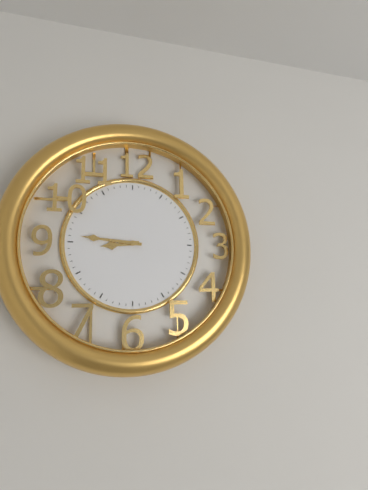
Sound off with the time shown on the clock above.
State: 8:46
